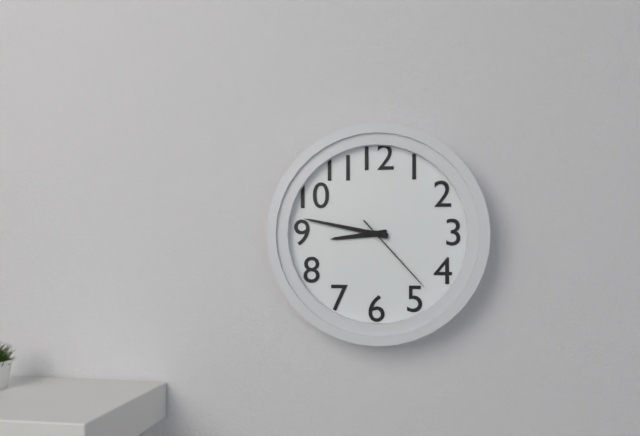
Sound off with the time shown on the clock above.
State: 8:47:23
